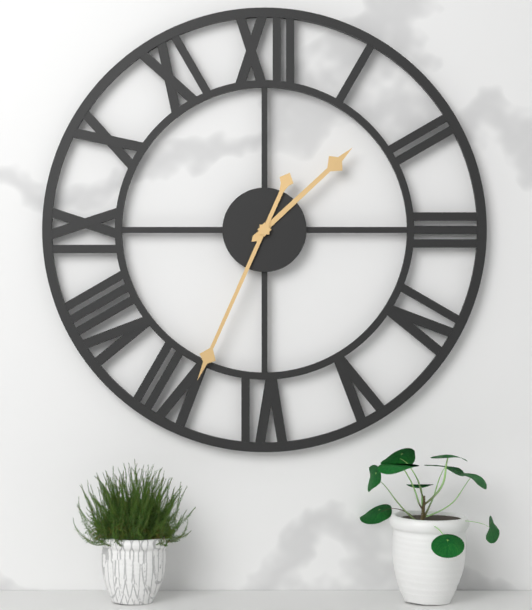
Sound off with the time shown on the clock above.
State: 1:34
